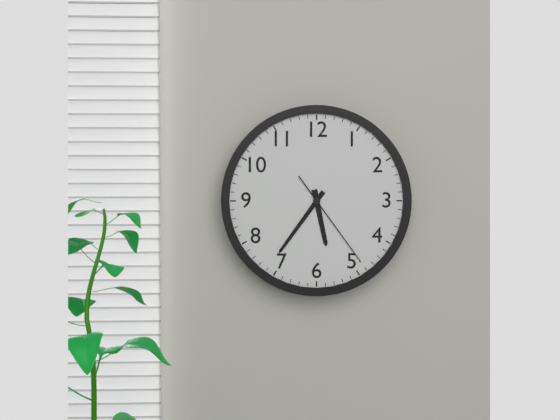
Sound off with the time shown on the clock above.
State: 5:36:24
